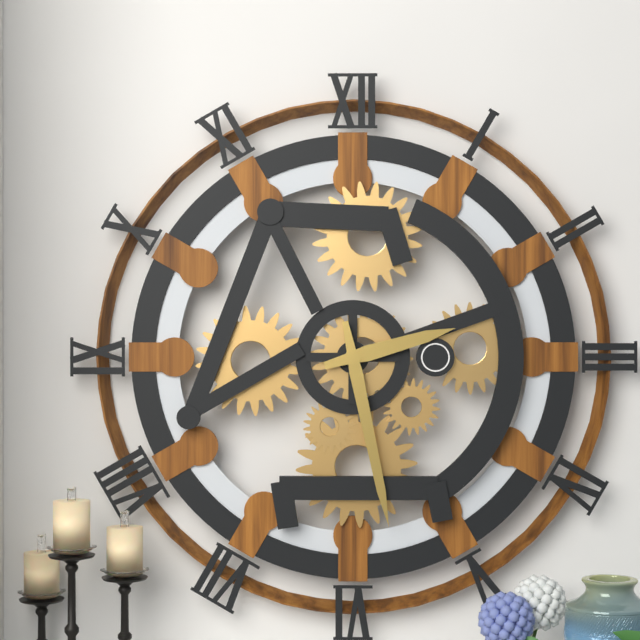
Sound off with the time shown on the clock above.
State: 2:28
